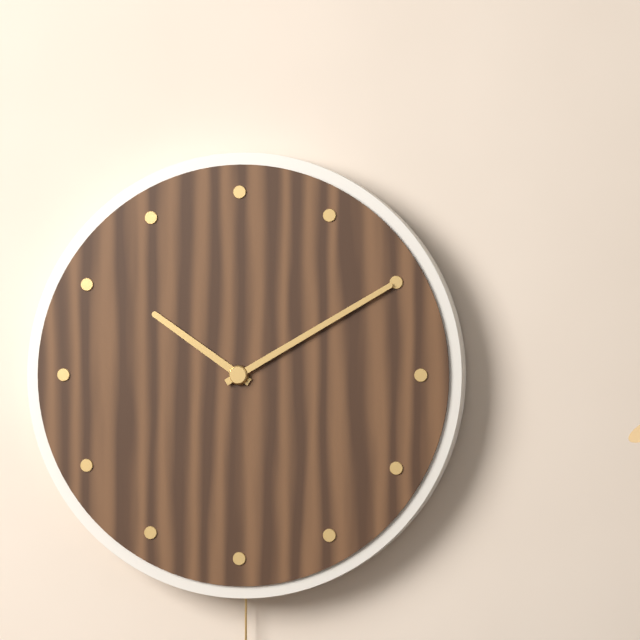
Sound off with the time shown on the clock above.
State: 10:10
